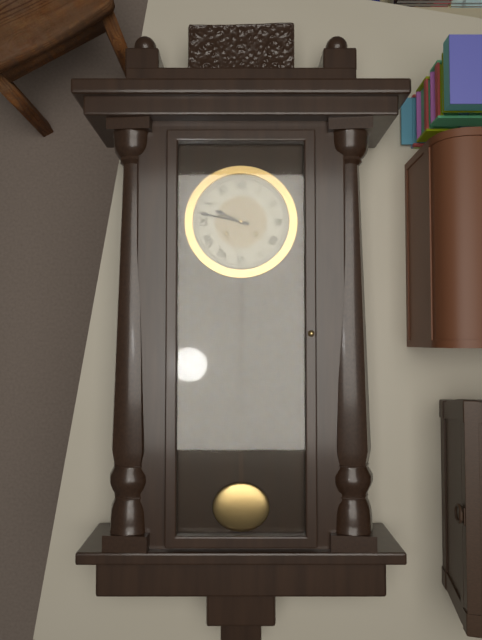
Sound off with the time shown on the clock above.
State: 9:47
